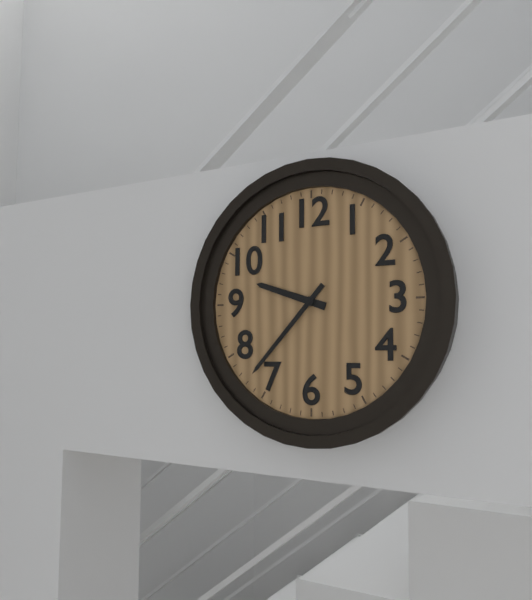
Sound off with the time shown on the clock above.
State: 9:37
